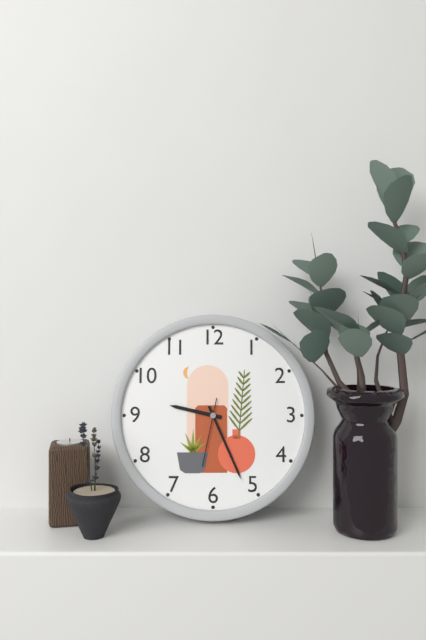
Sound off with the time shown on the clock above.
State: 9:26:32
